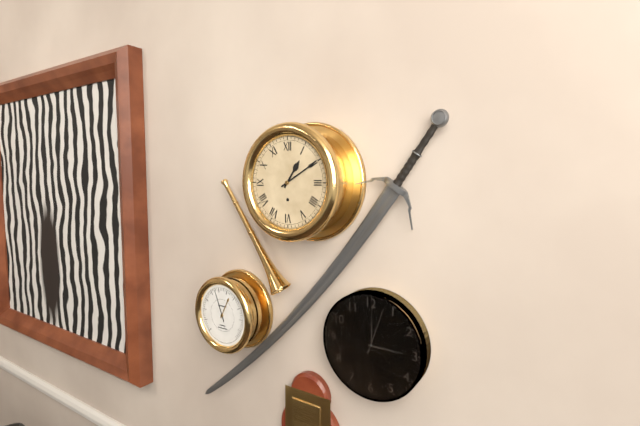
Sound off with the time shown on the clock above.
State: 1:10
